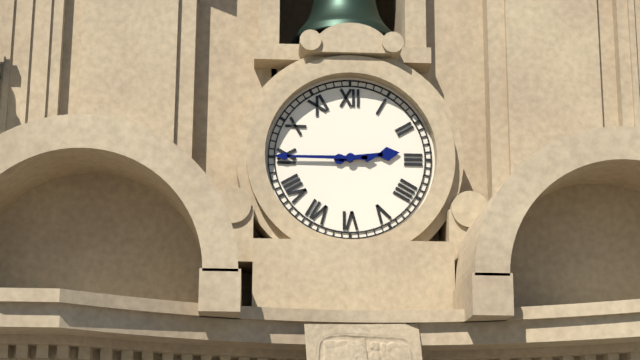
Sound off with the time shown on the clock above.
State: 2:45
